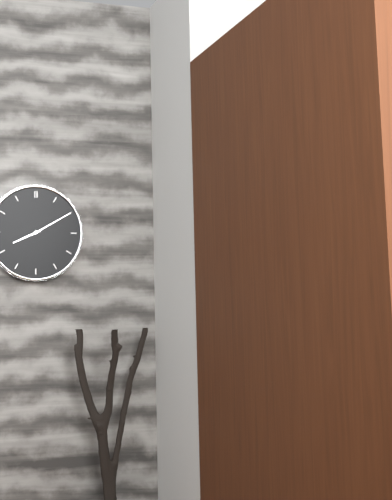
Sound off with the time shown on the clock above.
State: 8:10
